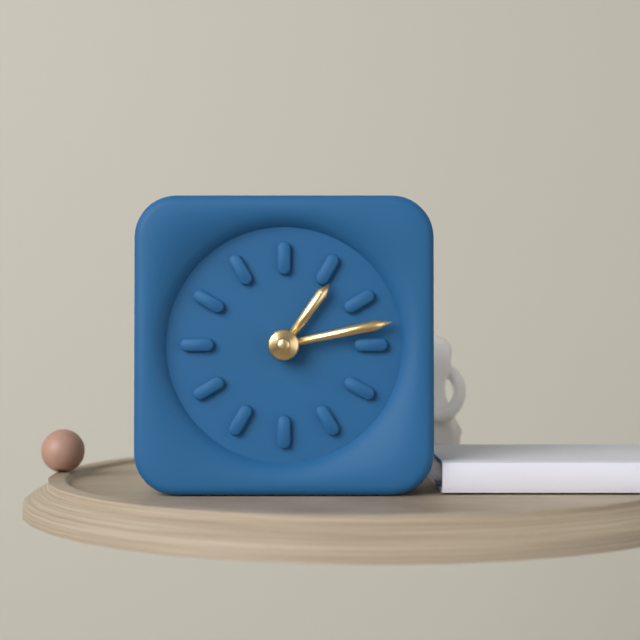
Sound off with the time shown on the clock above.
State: 1:13
